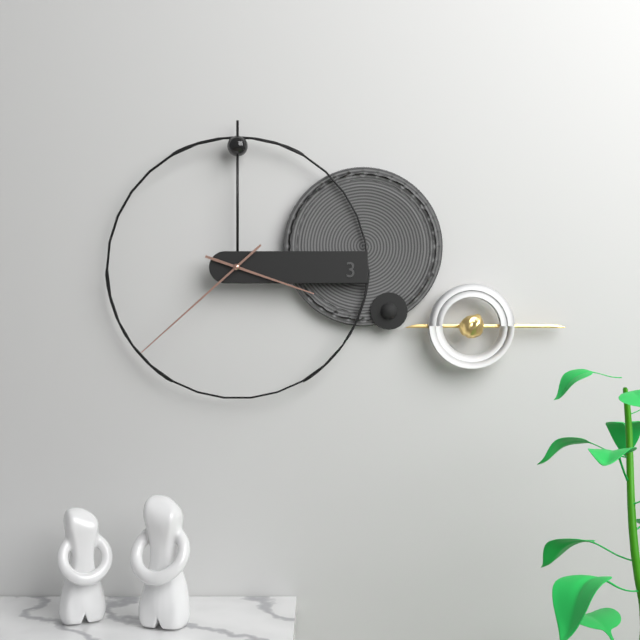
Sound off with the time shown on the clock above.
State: 3:38
